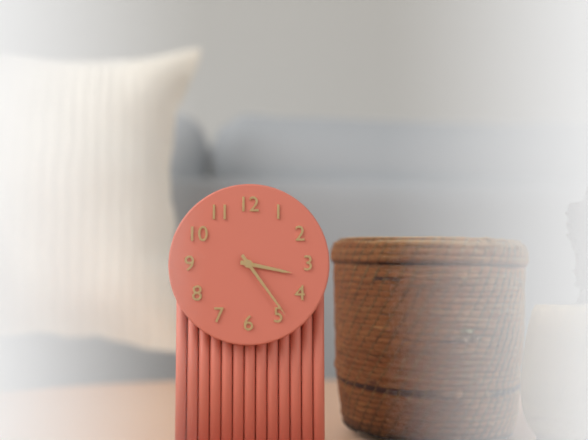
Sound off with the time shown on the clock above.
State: 3:24
